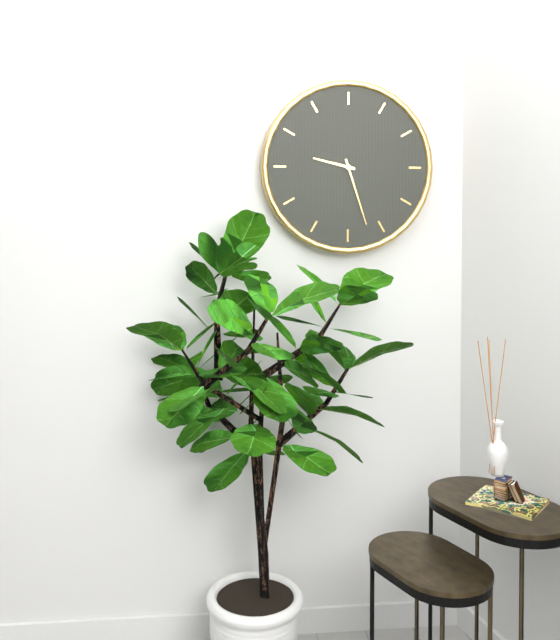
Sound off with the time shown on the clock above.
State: 9:27
